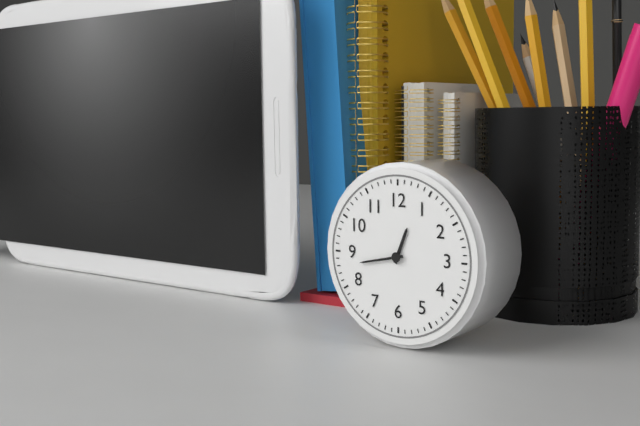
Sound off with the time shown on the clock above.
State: 12:43
